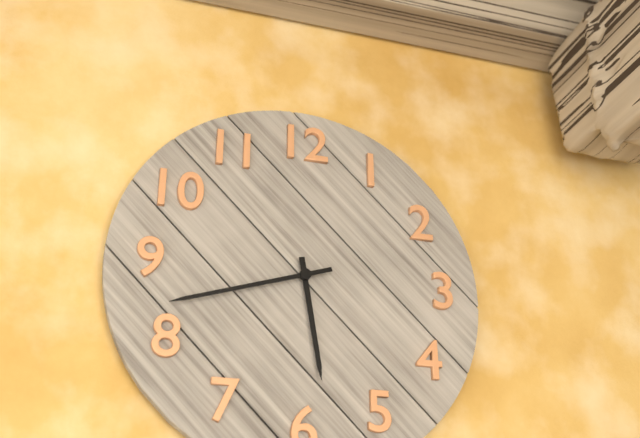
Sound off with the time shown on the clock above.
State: 5:42
